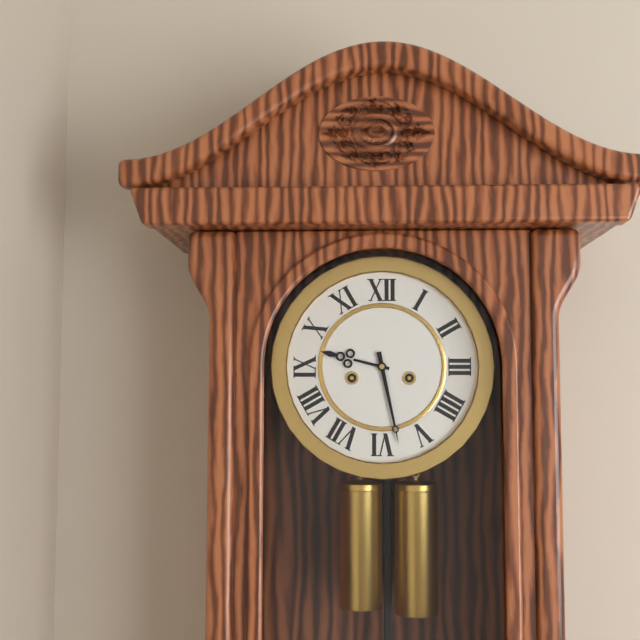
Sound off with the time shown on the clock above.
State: 9:28
